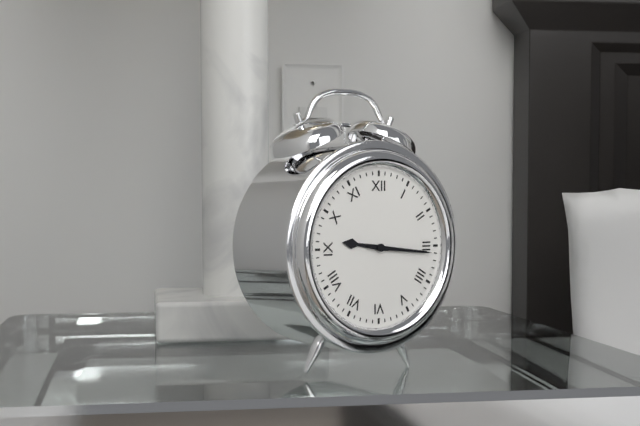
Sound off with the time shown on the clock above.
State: 9:16
